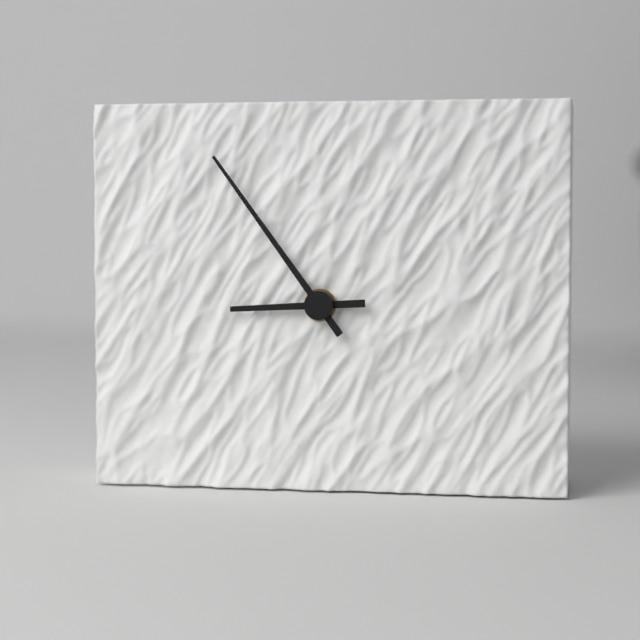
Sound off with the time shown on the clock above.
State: 8:54
